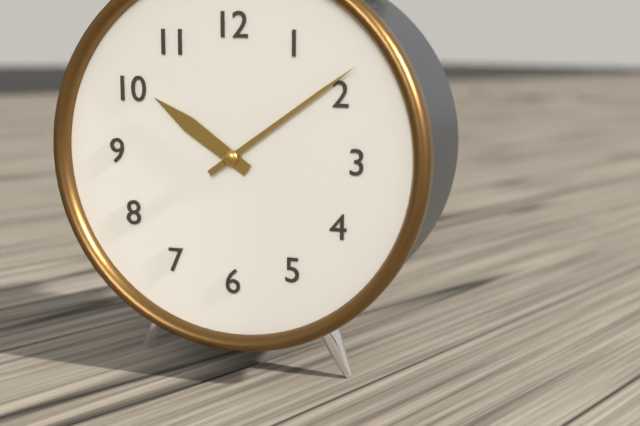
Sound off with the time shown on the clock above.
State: 10:09
